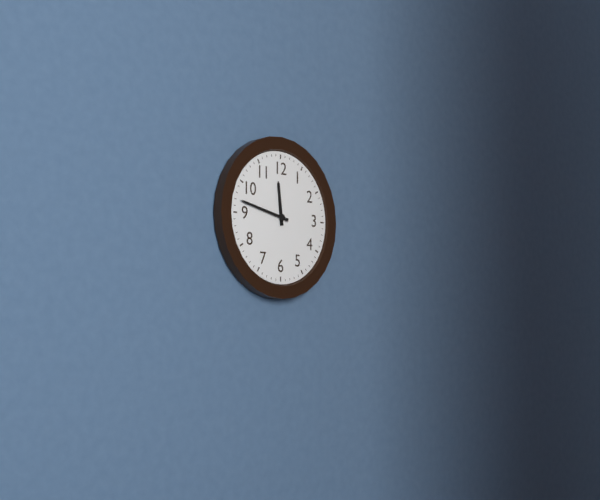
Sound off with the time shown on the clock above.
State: 11:47
